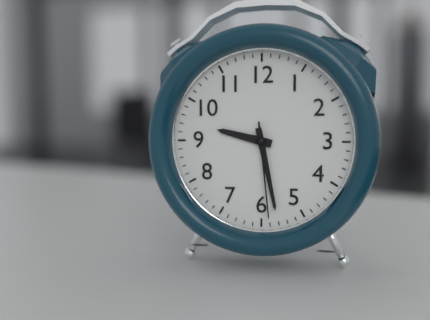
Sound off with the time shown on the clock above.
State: 9:28:29
